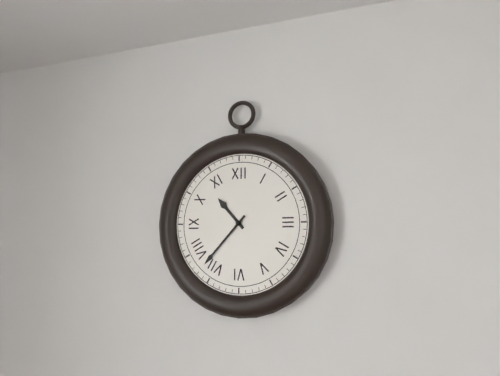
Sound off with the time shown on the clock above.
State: 10:37
